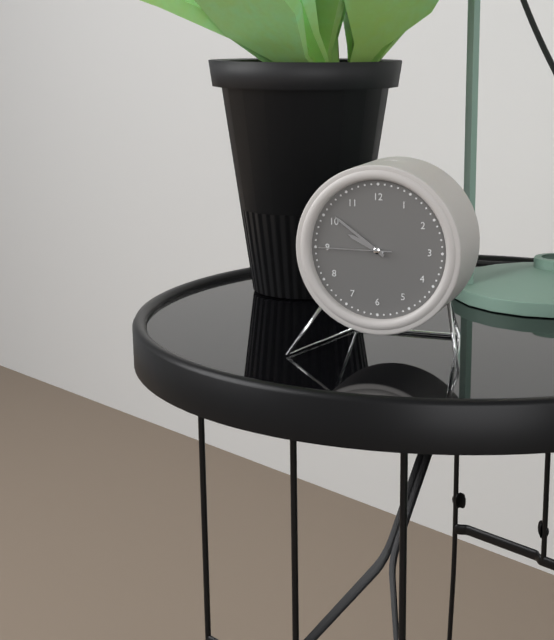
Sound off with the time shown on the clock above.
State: 9:51:45
